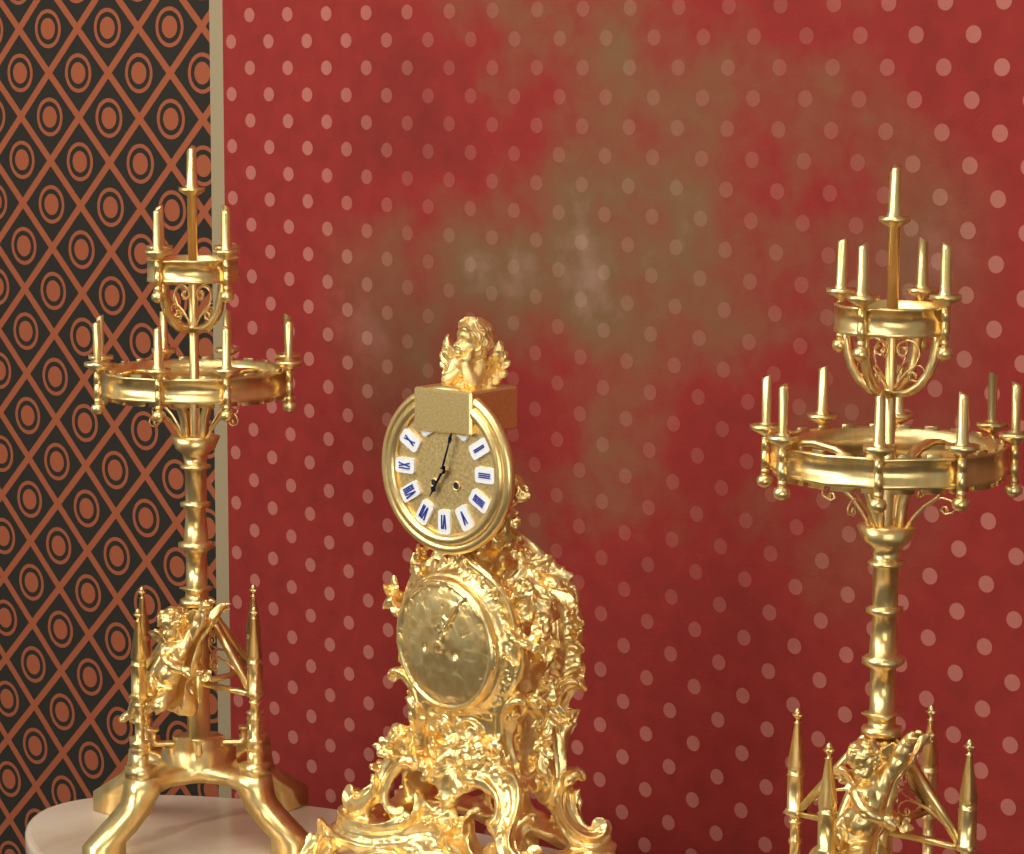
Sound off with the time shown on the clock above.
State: 7:03
